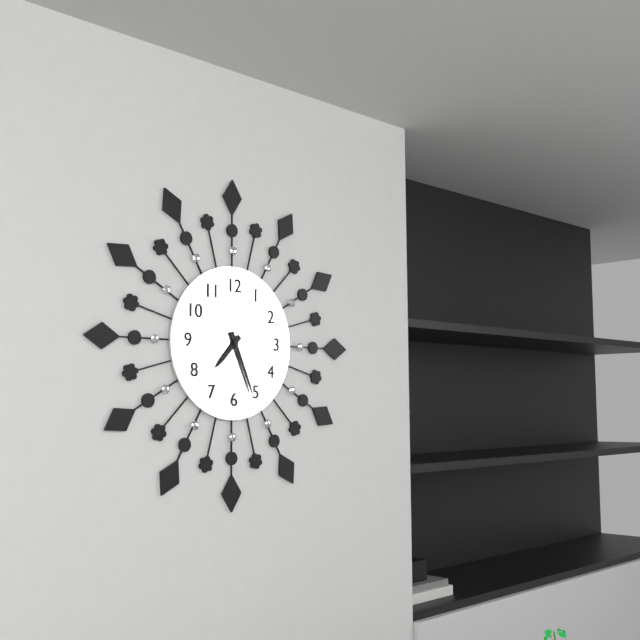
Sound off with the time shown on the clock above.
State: 7:26
